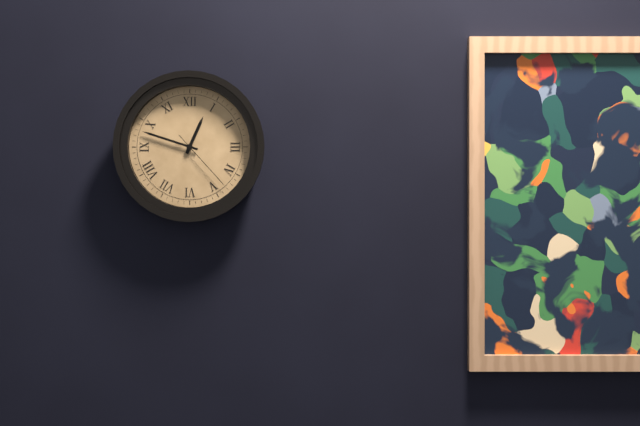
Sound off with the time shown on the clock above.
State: 12:48:23
